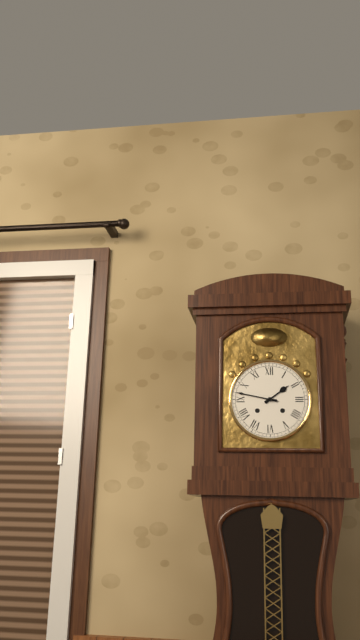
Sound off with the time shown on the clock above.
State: 1:47
